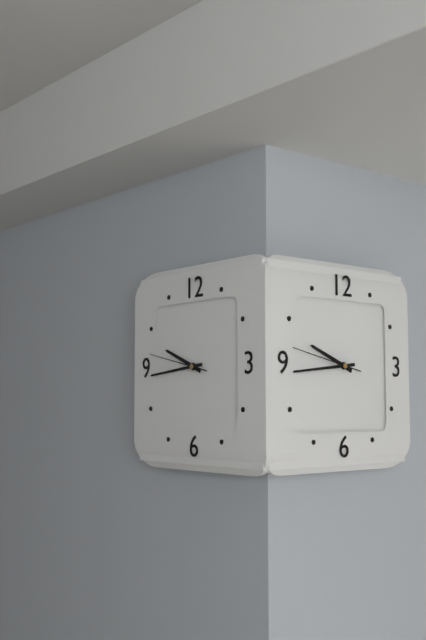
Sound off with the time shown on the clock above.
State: 9:44:47
